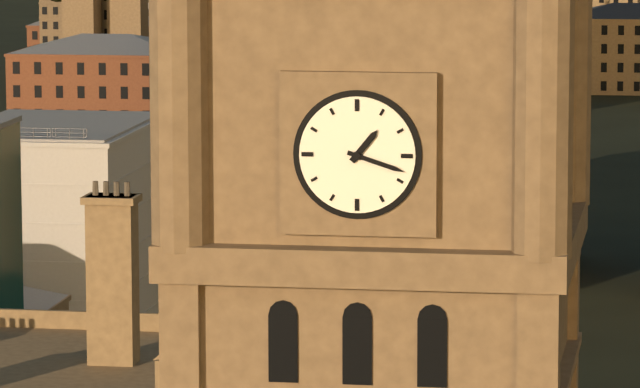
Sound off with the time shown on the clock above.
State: 1:18
